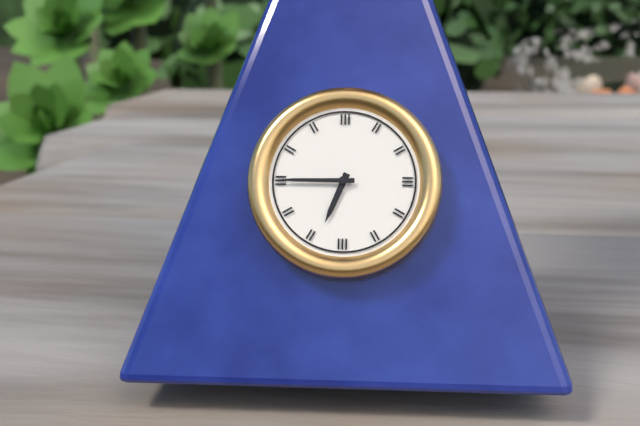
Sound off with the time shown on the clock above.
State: 6:45
